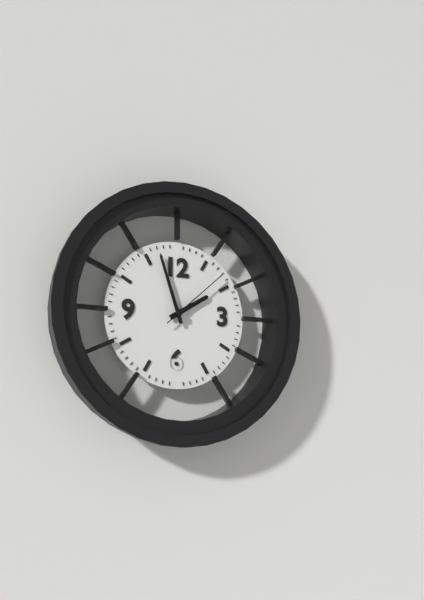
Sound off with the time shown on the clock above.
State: 1:57:08
